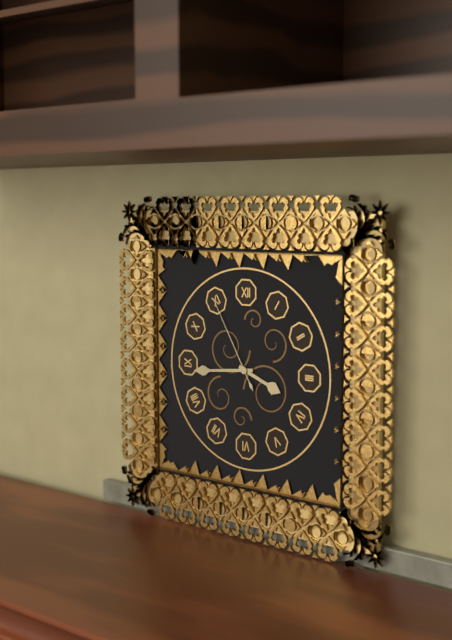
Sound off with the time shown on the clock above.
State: 3:44:55
